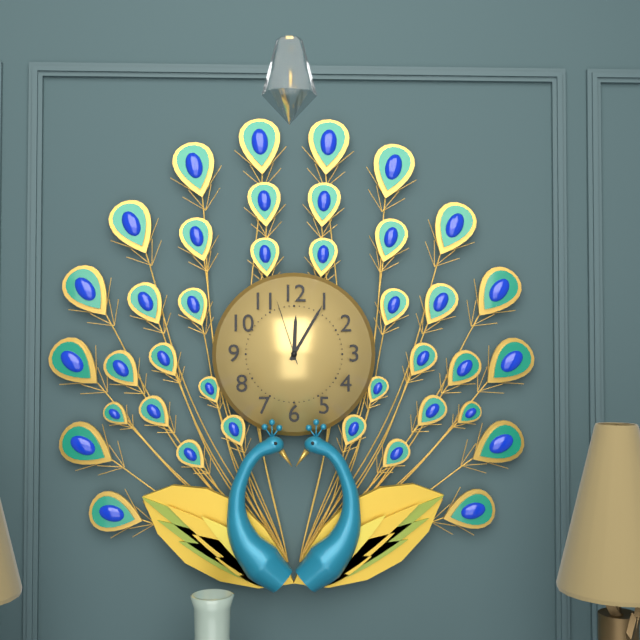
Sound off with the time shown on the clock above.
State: 12:05:57
